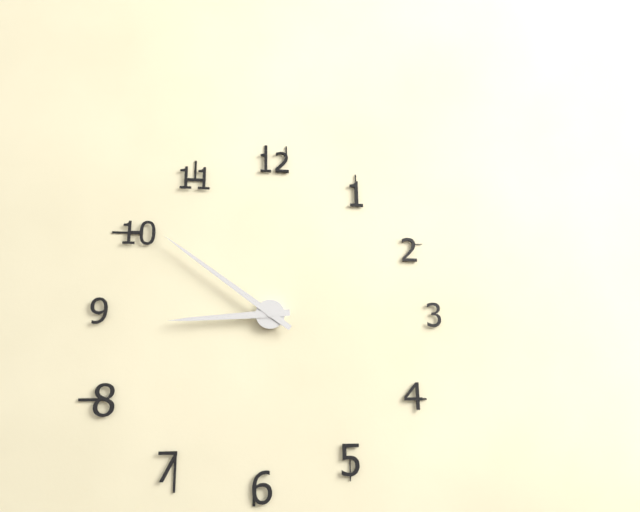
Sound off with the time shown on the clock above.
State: 8:51
